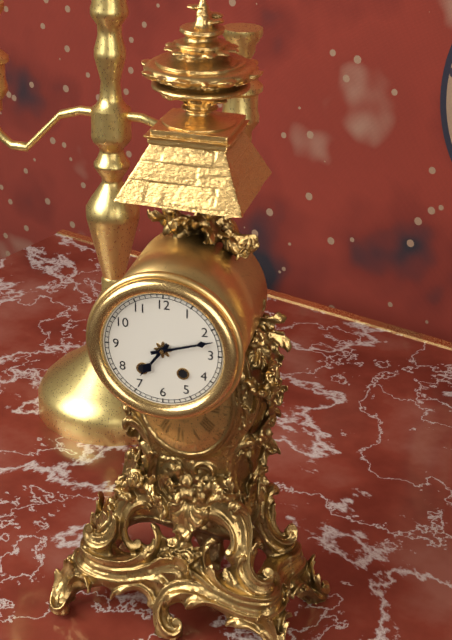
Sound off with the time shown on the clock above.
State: 7:12
